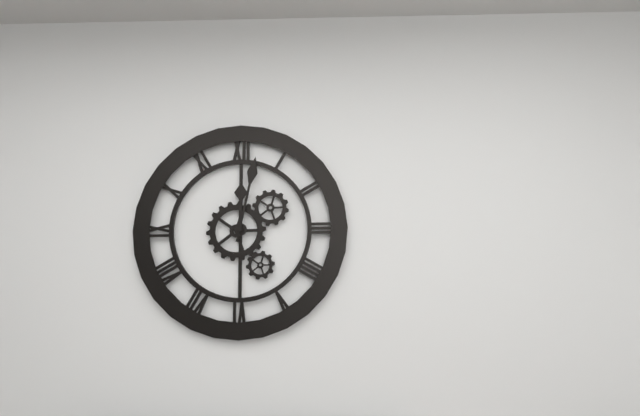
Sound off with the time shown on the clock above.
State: 12:02
